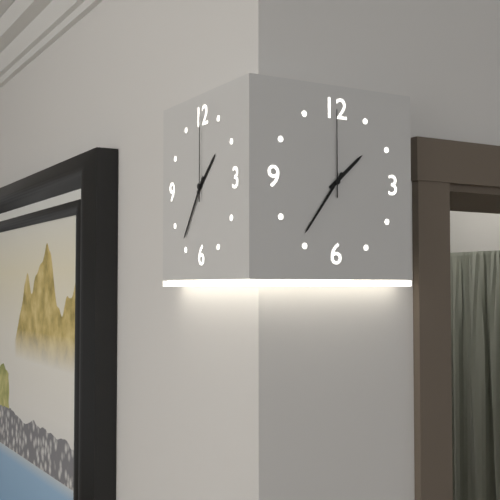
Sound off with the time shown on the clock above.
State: 1:36:00
